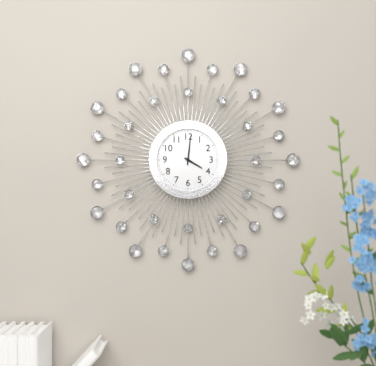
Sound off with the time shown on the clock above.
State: 4:01
